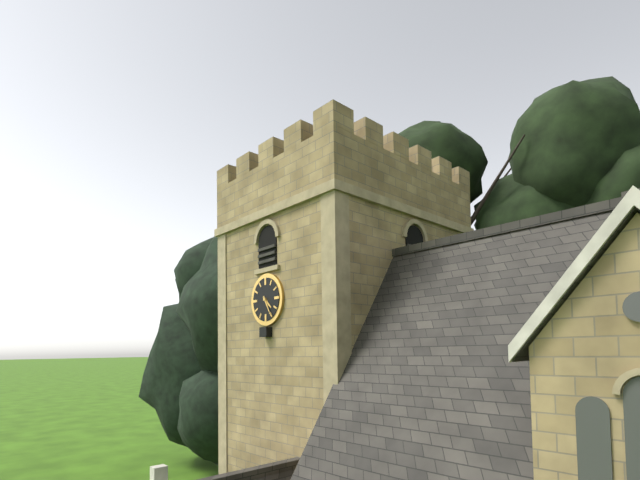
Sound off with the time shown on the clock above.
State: 4:25
